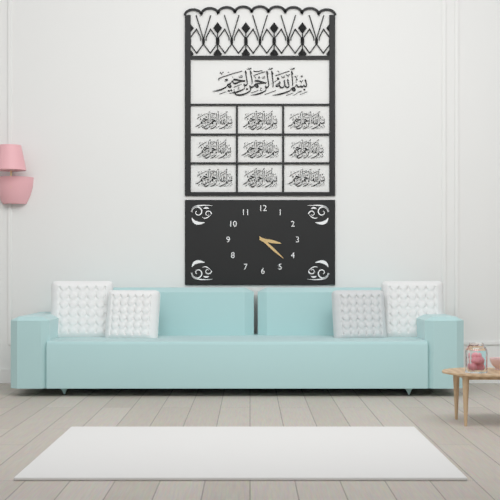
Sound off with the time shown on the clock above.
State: 3:22
